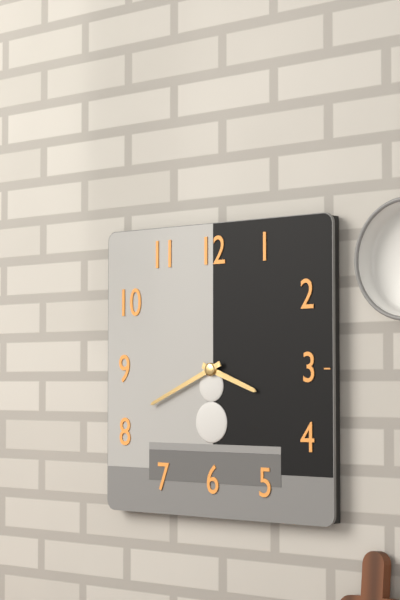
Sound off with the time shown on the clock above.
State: 3:41
